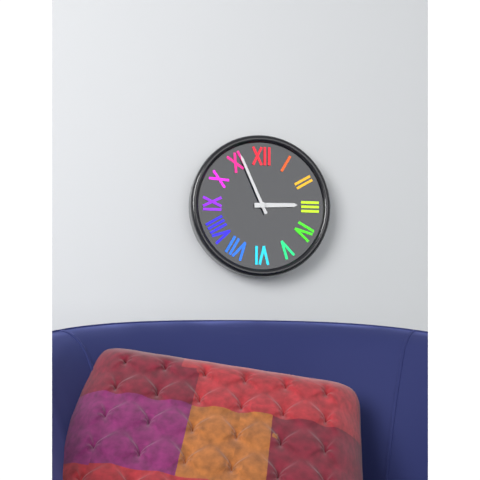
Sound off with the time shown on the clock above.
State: 2:56
